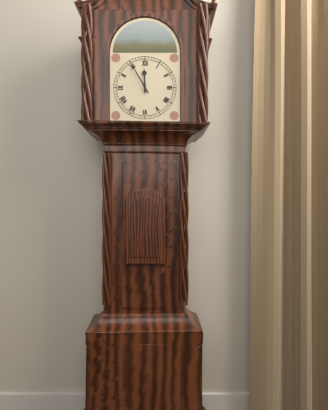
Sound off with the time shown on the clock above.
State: 11:55
